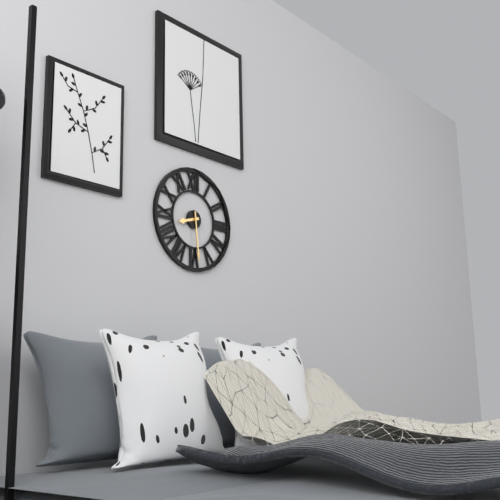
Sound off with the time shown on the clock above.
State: 8:29
